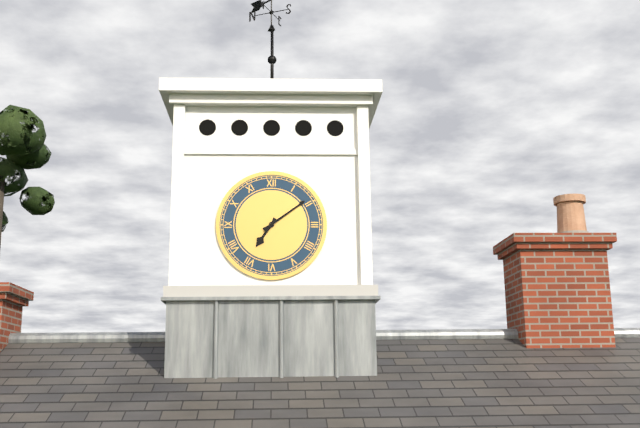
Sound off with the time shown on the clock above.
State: 7:09
